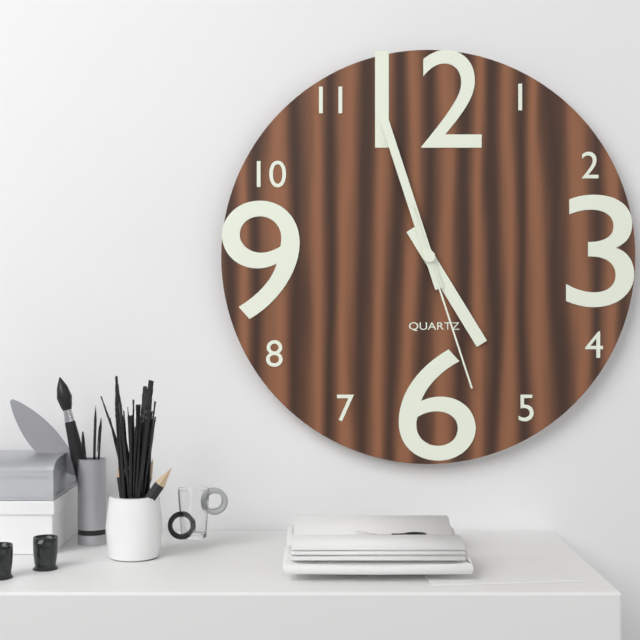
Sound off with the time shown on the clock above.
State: 4:57:27
